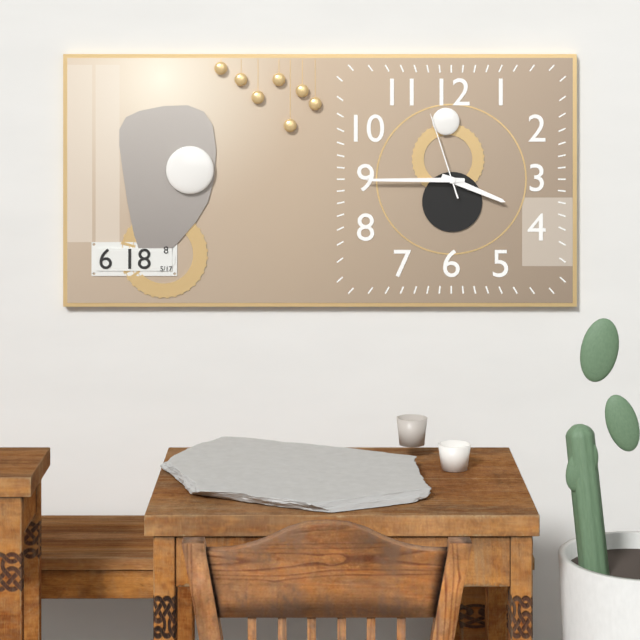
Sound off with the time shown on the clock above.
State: 3:45:57
